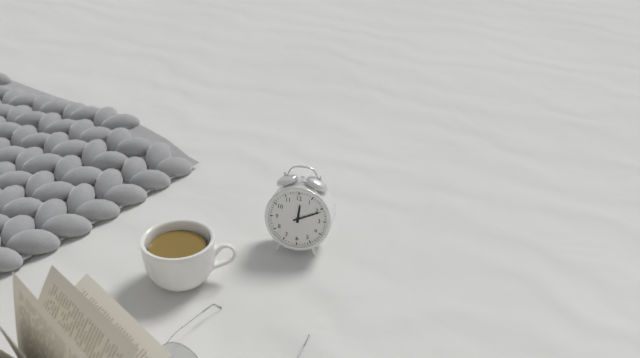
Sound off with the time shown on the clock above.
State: 12:11
